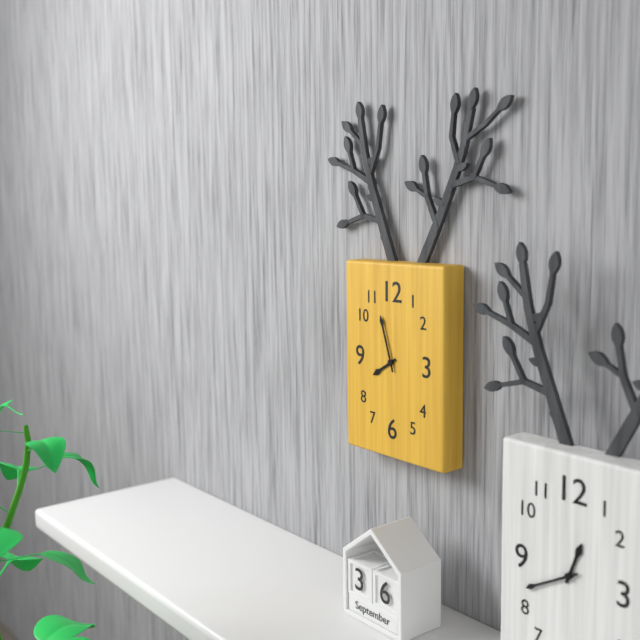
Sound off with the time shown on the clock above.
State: 7:57
